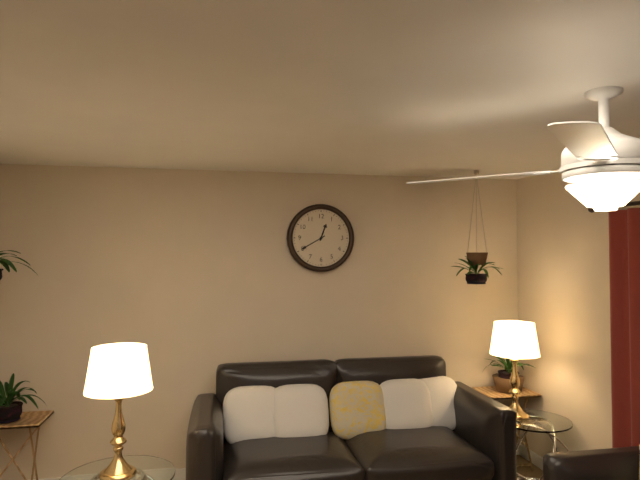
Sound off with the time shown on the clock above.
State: 12:40
